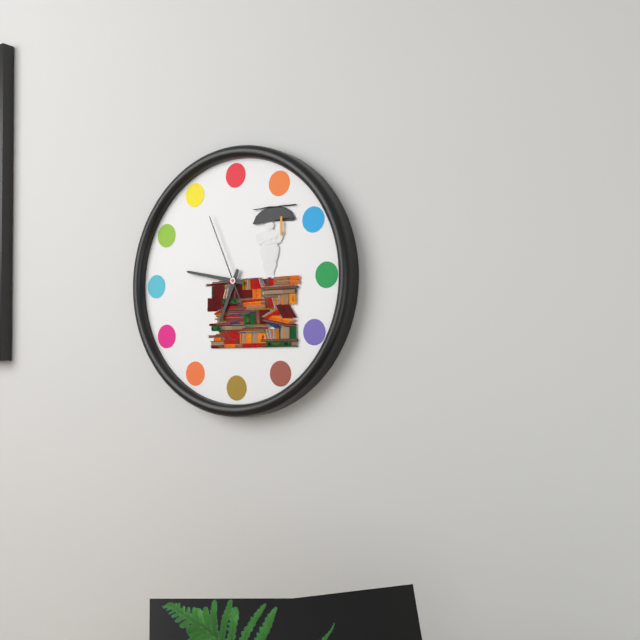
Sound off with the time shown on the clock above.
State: 6:47:56
